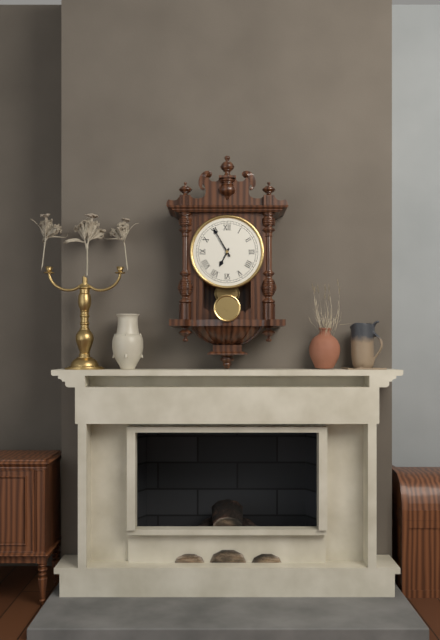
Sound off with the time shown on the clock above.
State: 6:55
